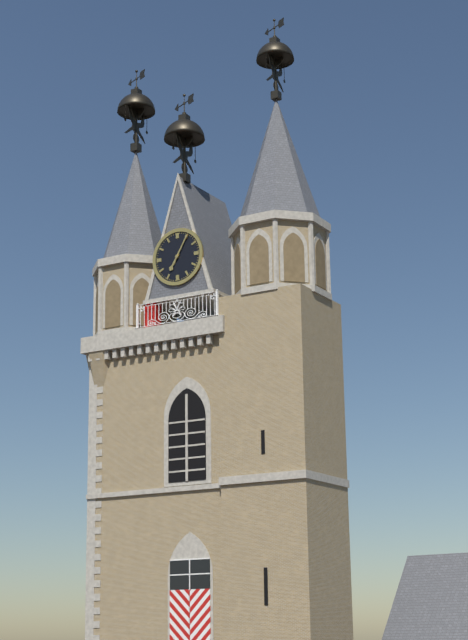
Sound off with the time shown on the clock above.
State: 7:05
